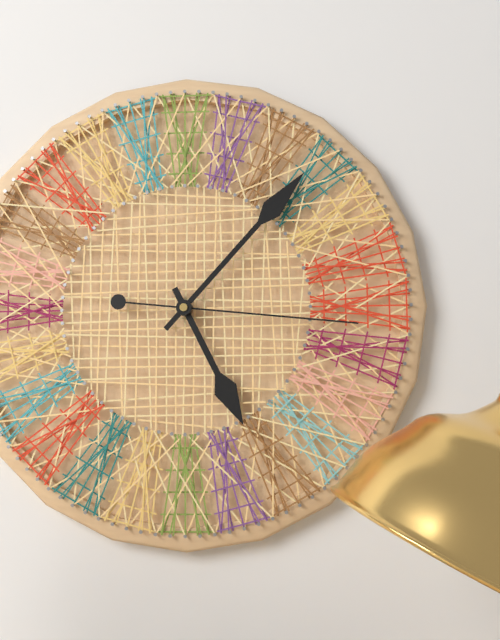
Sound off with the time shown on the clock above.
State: 5:07:16
